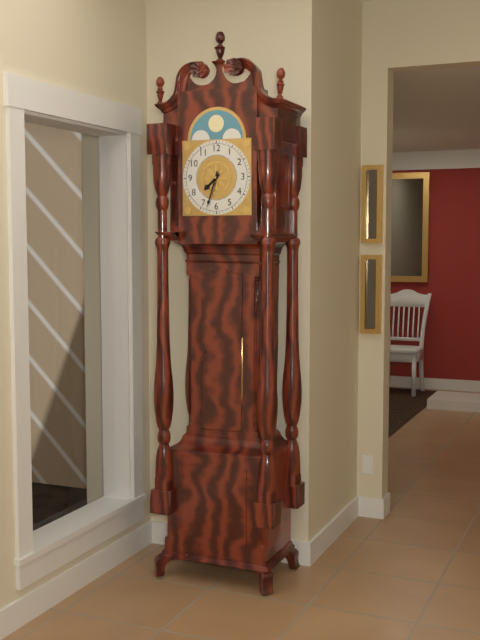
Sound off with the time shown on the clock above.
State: 7:33
